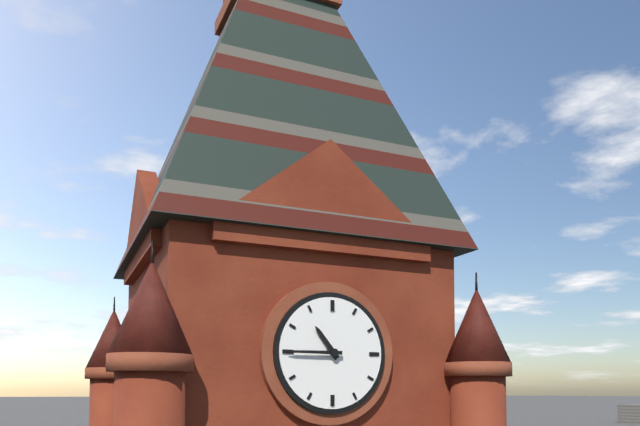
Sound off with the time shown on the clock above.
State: 10:45
